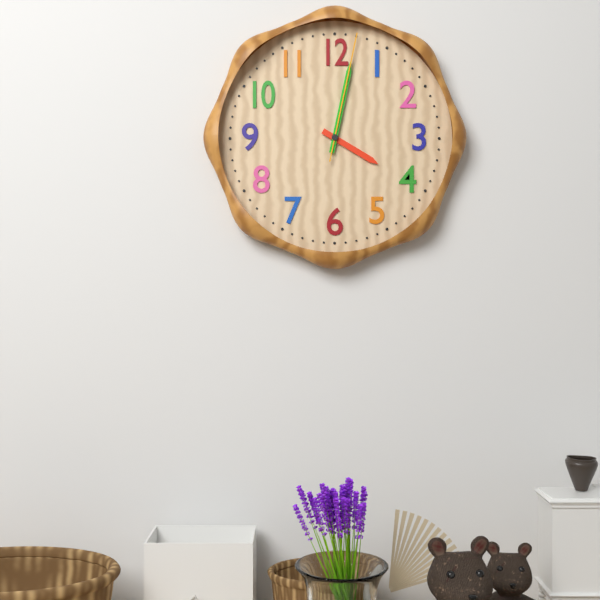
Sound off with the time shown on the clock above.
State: 4:02:02
